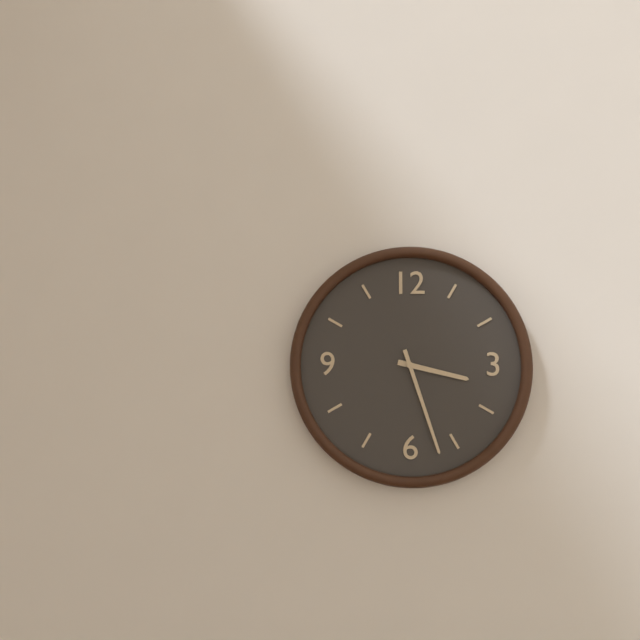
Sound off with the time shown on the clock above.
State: 3:27
